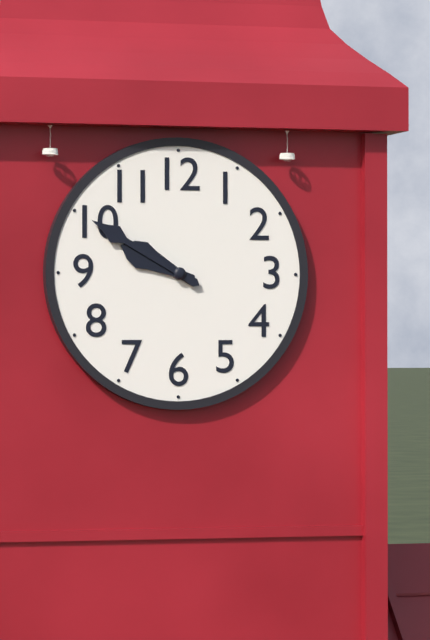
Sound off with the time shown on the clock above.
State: 9:50
